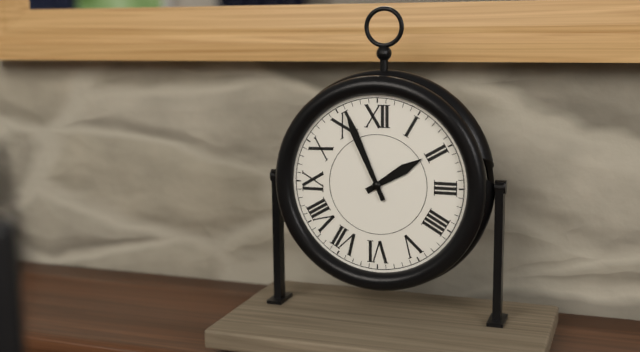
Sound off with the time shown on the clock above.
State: 1:56
